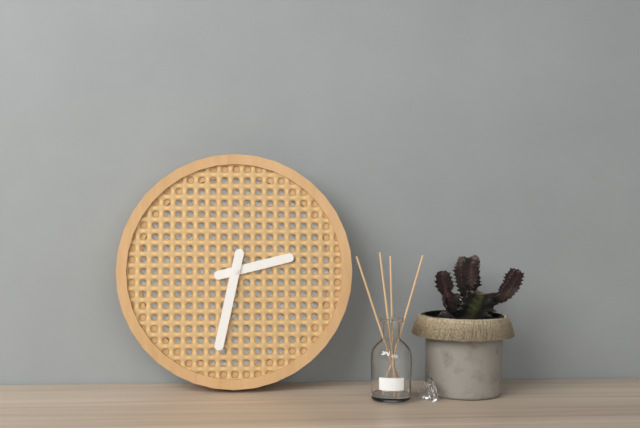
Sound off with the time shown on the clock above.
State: 2:32
